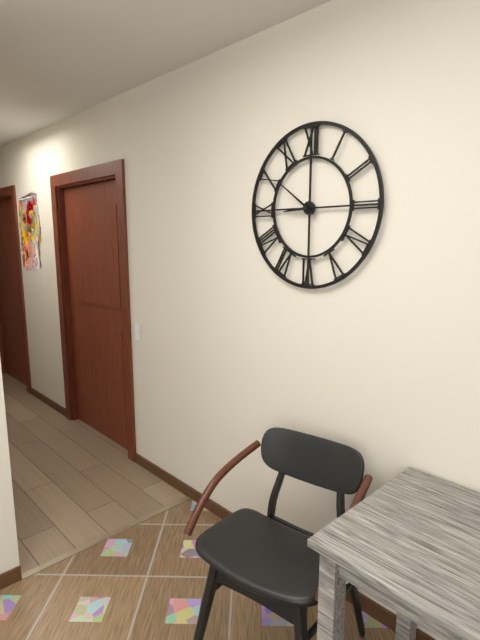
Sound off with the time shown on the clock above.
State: 8:51
